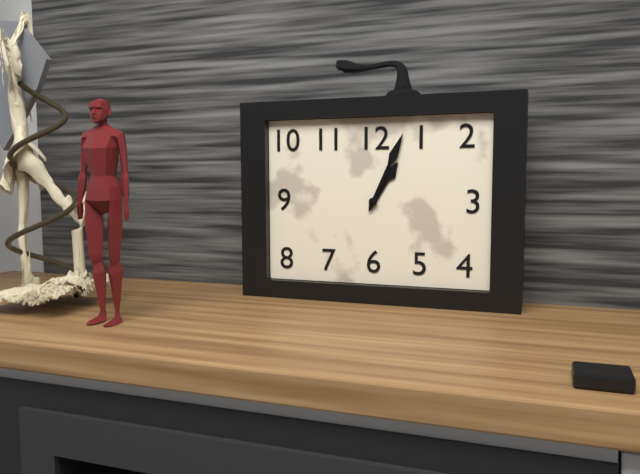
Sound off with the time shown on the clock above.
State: 1:04
